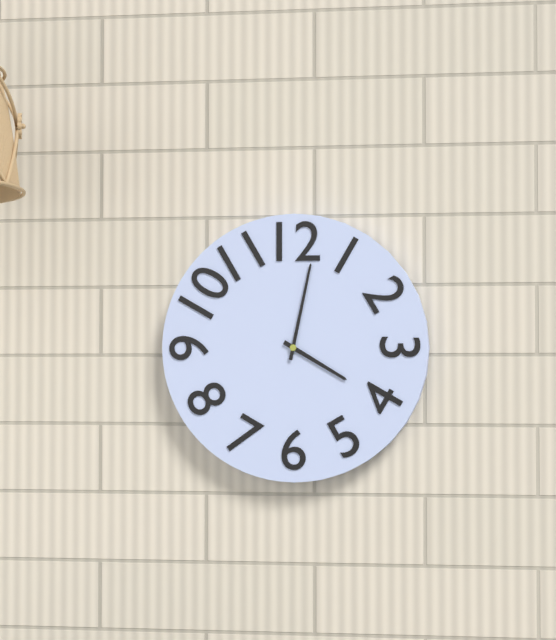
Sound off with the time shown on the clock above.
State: 4:02
